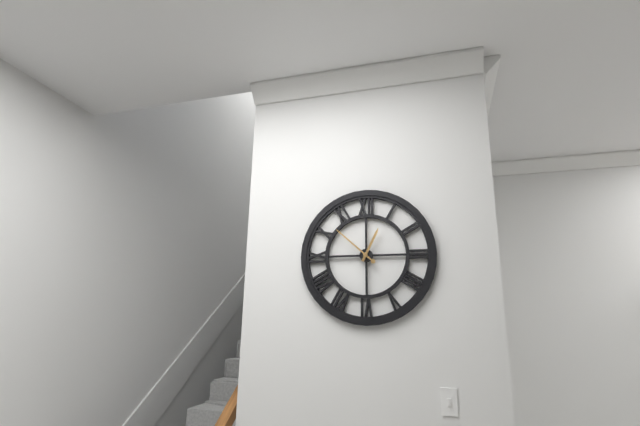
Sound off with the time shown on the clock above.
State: 12:52
